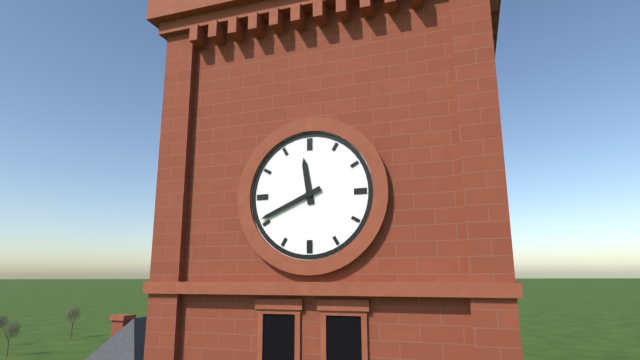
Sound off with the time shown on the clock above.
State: 11:41
